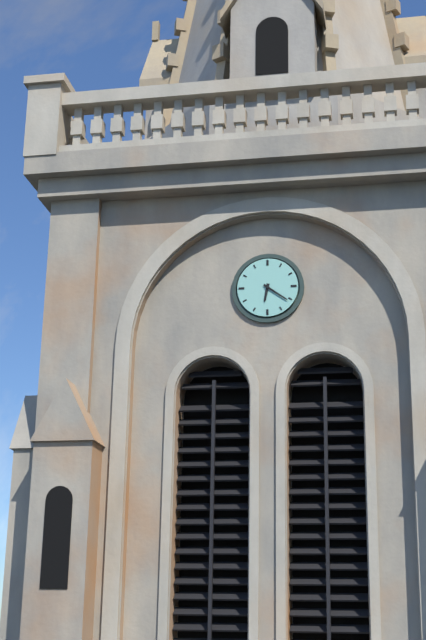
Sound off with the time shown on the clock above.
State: 6:21
